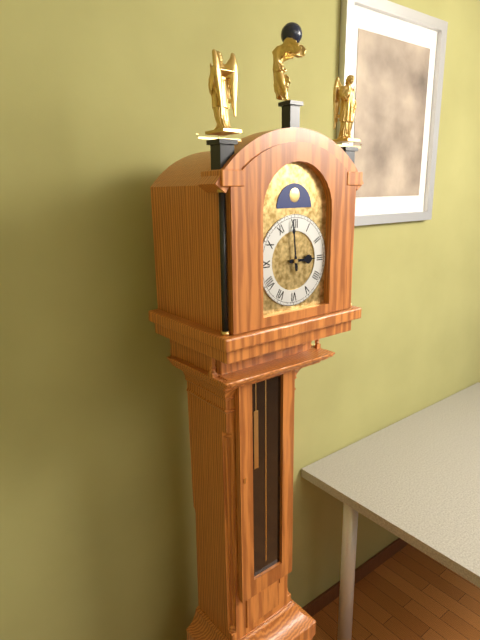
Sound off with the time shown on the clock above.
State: 2:59
